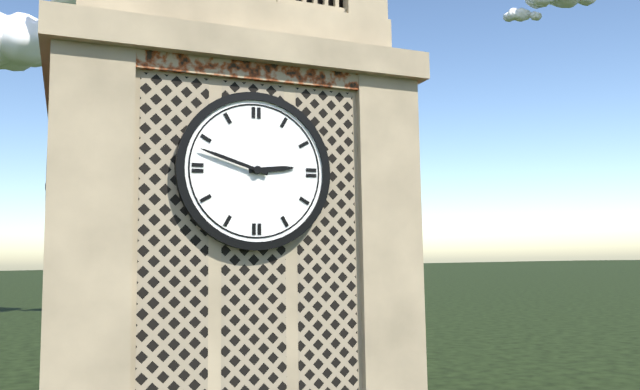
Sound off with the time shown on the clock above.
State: 2:48
